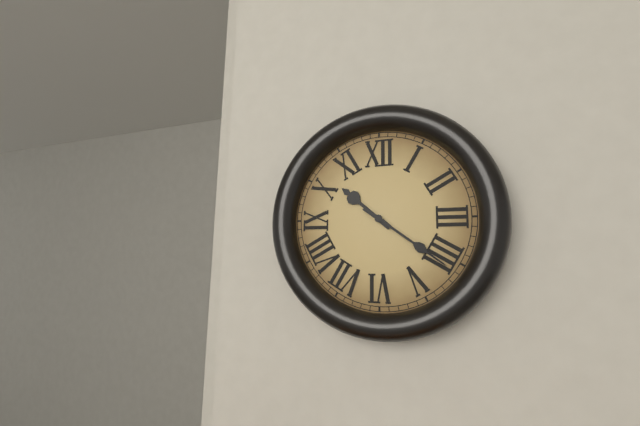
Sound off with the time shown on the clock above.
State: 10:21
